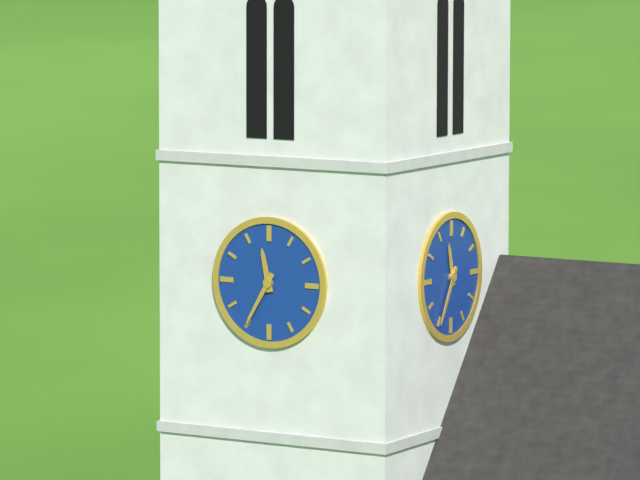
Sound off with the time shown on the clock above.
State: 11:35
